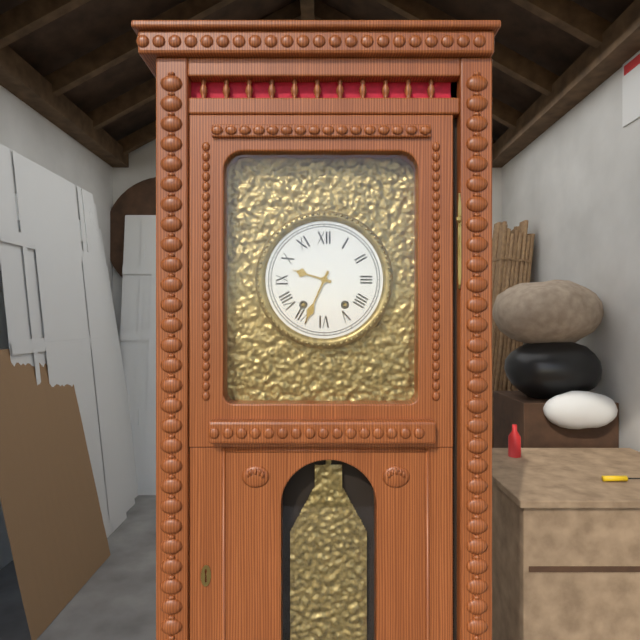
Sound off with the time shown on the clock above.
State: 9:34
